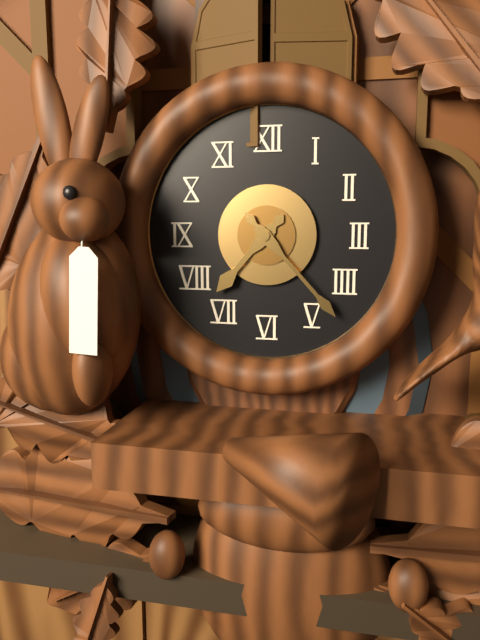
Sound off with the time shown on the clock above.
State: 7:23
